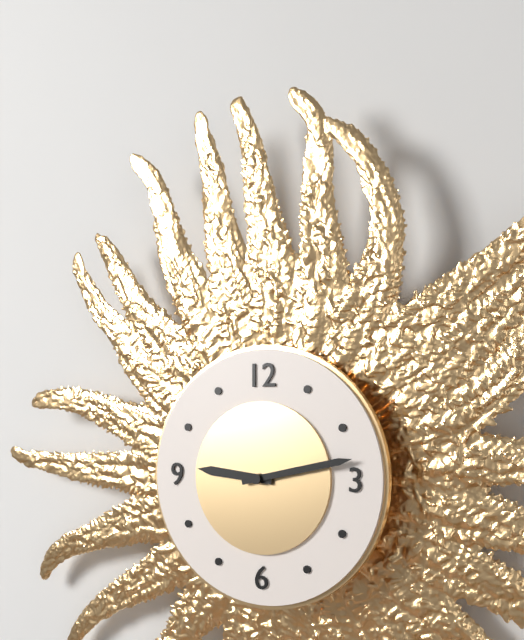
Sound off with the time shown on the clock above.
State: 9:13
